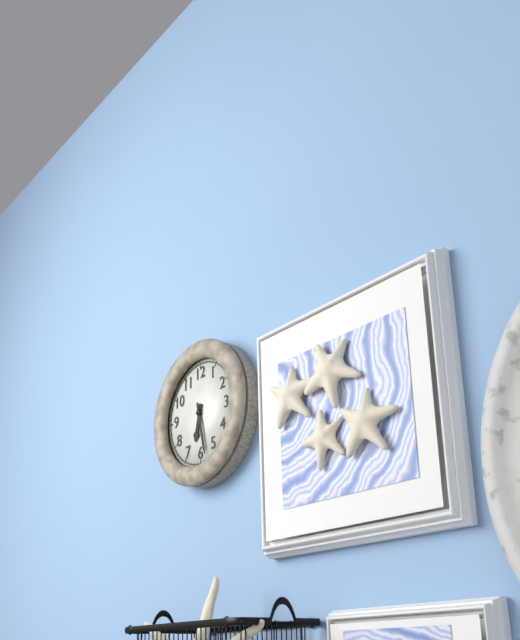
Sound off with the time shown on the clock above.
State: 6:28
